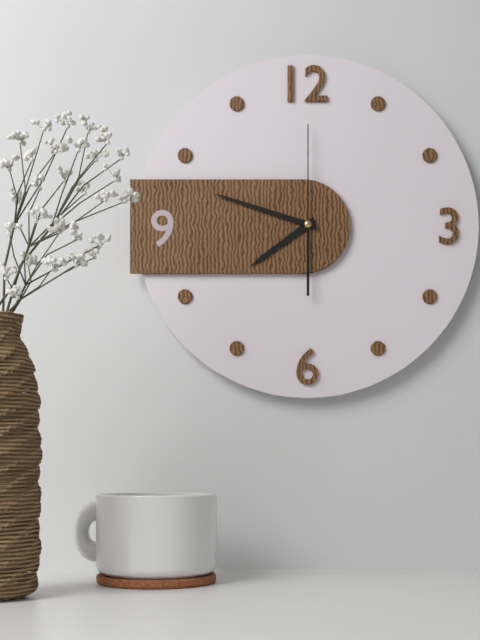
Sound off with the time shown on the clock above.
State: 7:48:00
